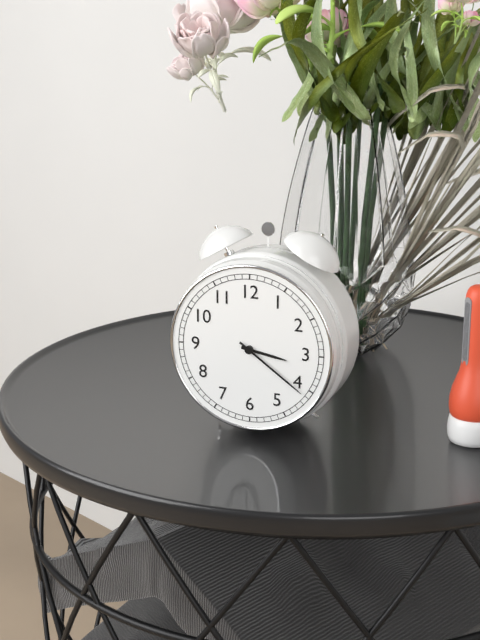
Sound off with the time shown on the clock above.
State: 3:21
